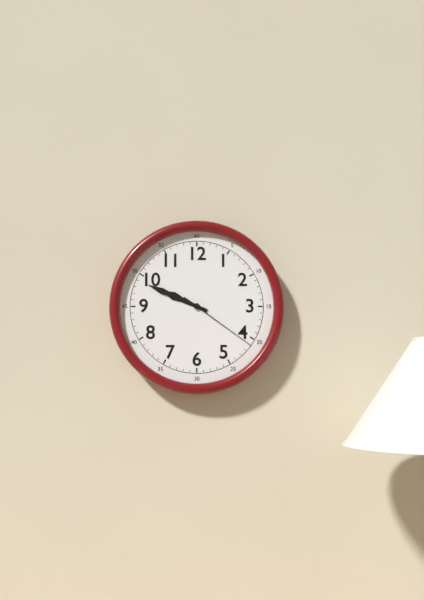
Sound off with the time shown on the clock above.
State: 9:49:21
